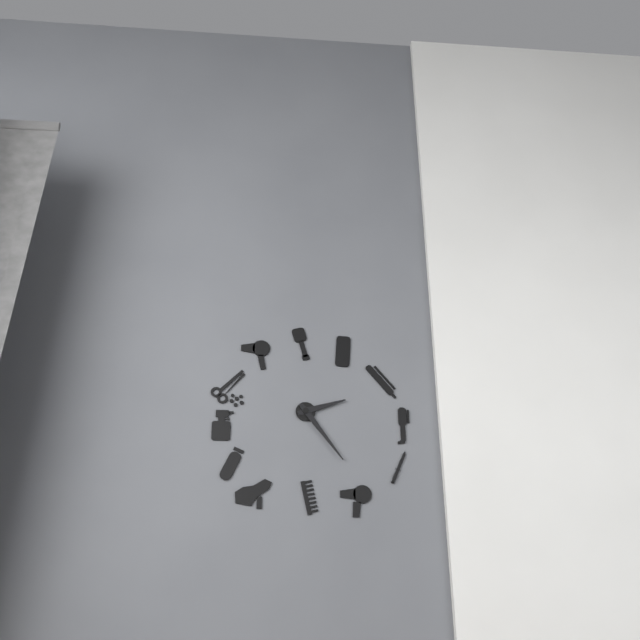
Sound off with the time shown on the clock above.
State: 2:24
